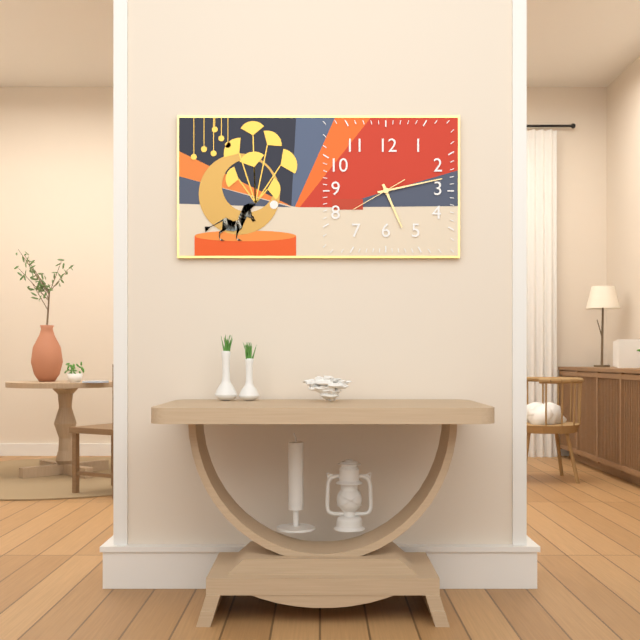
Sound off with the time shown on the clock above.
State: 5:13
